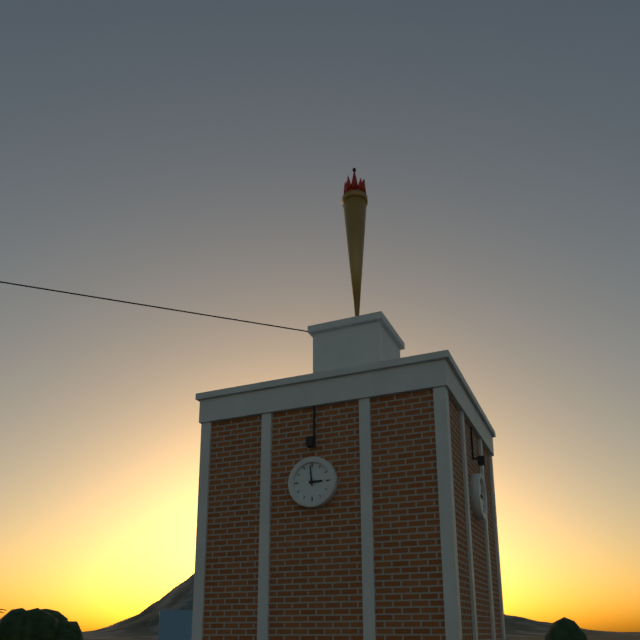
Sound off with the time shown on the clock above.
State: 2:59
